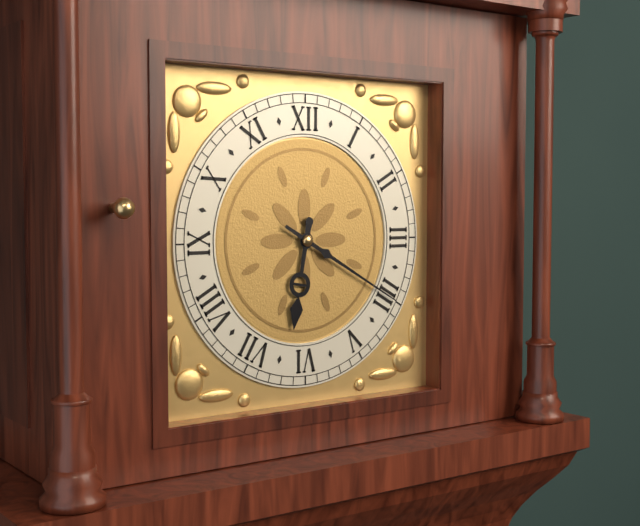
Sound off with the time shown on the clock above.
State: 6:20
